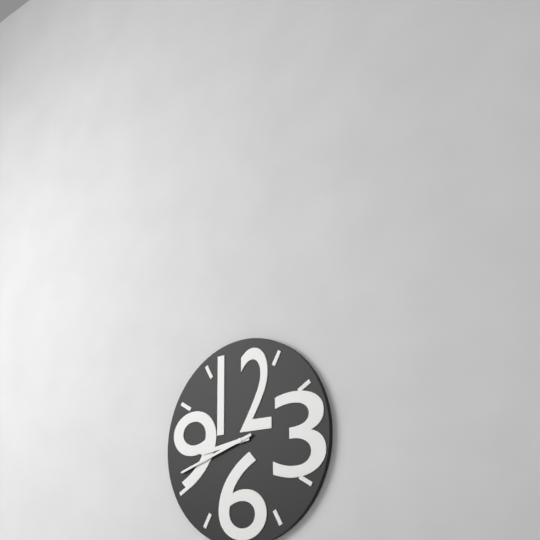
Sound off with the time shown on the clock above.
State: 8:42
